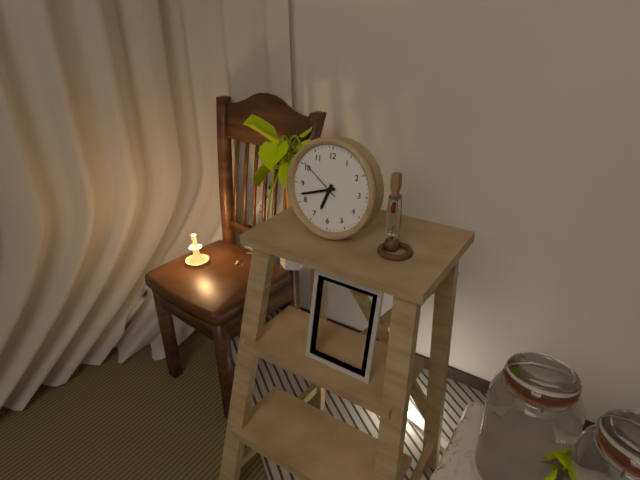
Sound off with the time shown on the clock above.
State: 6:42
